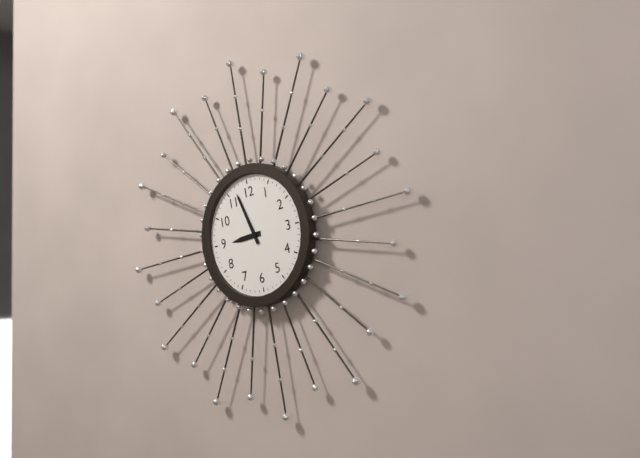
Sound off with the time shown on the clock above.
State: 8:57
